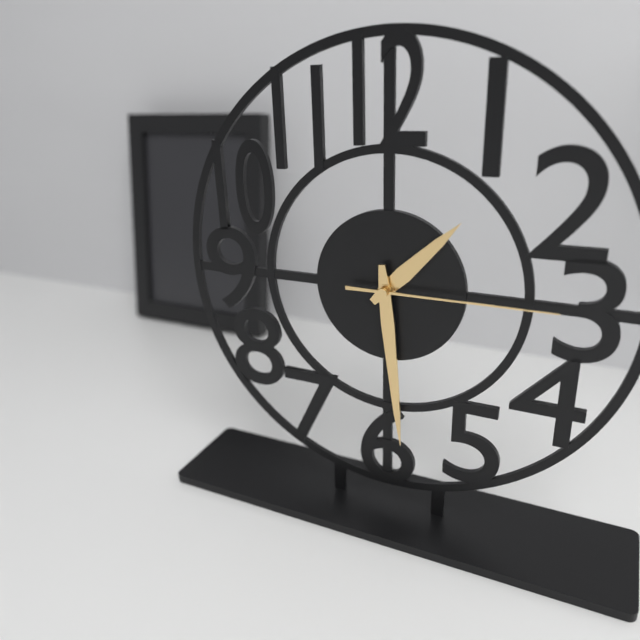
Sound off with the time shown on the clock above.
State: 1:29:15
